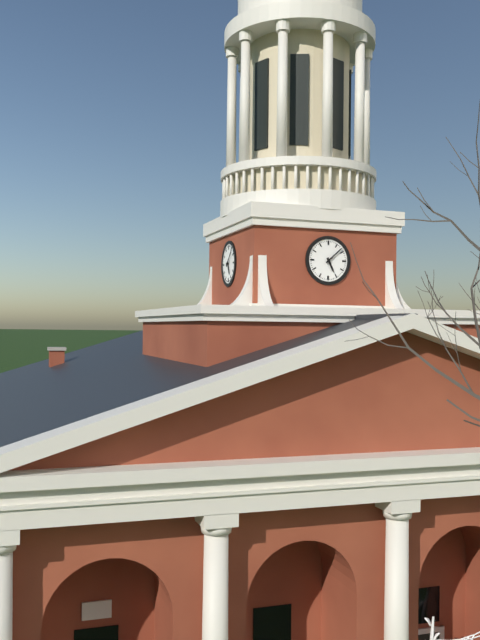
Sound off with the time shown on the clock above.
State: 5:08
